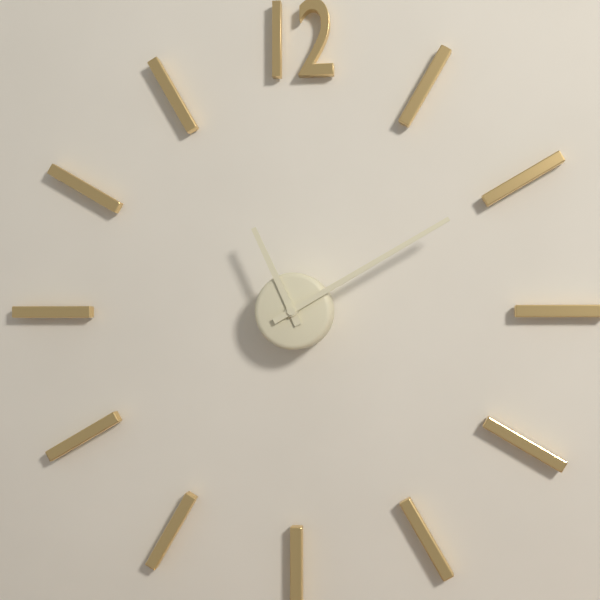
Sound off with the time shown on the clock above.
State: 11:10
